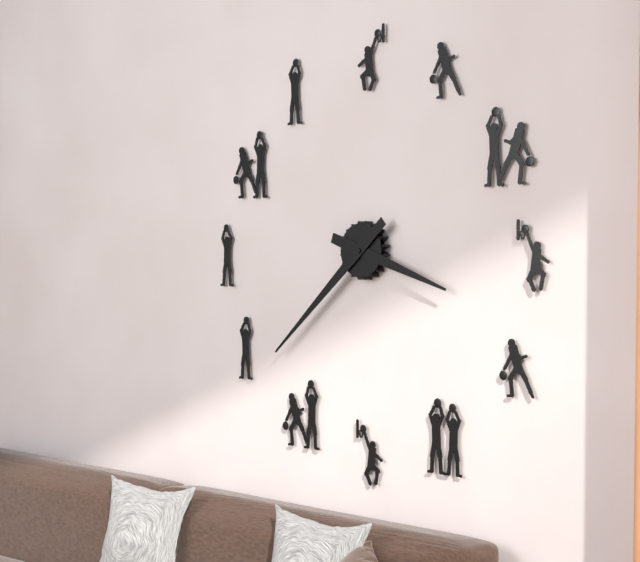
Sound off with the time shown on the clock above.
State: 3:38
